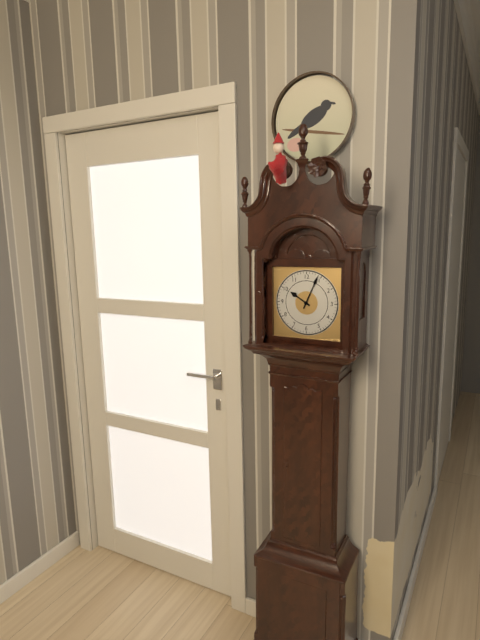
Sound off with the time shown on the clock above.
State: 10:04
